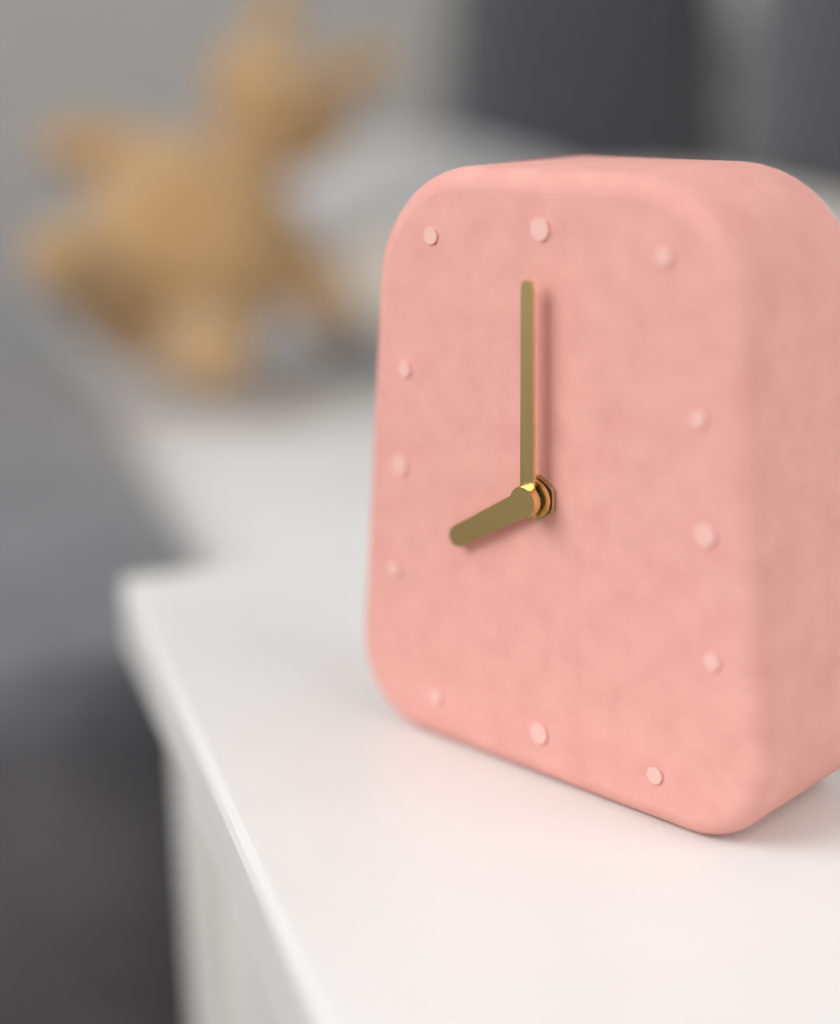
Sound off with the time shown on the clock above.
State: 8:00
